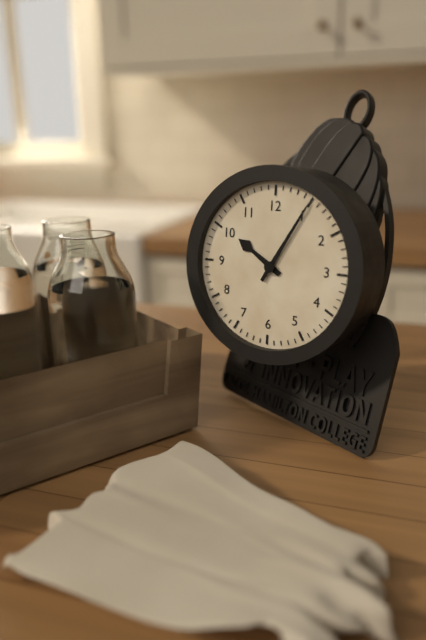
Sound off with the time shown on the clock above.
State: 10:05
